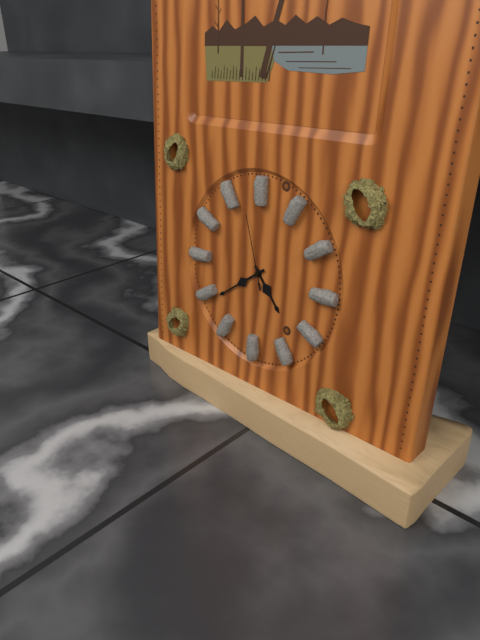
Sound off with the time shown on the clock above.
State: 4:39:57
